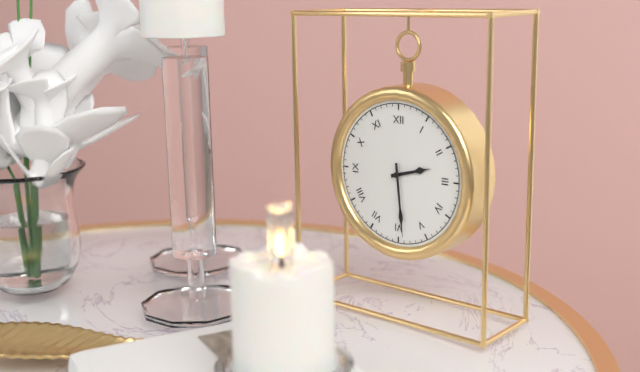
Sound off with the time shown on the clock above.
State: 2:29
